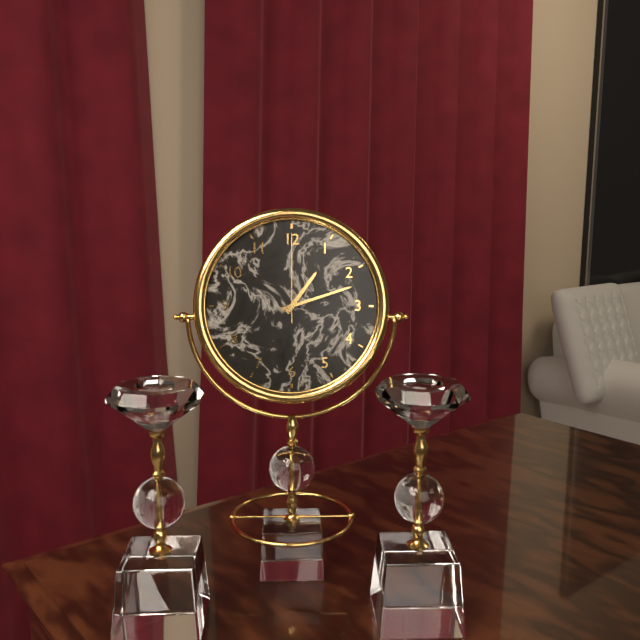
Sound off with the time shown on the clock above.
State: 1:12:00
